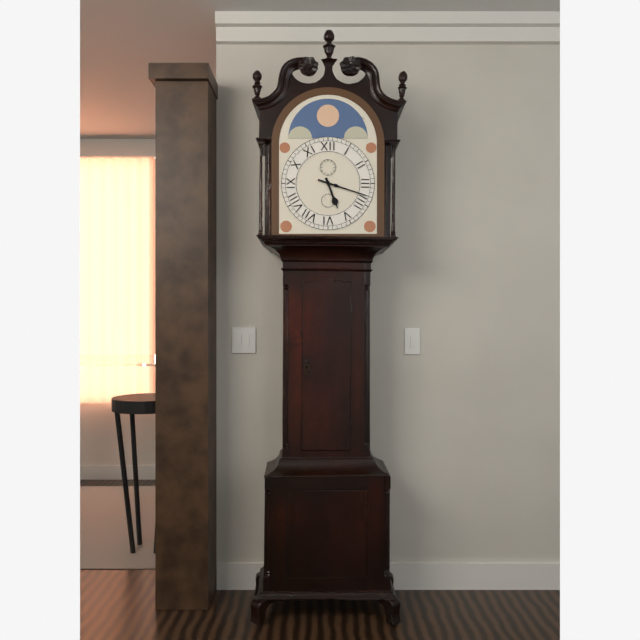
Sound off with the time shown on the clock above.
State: 5:18
